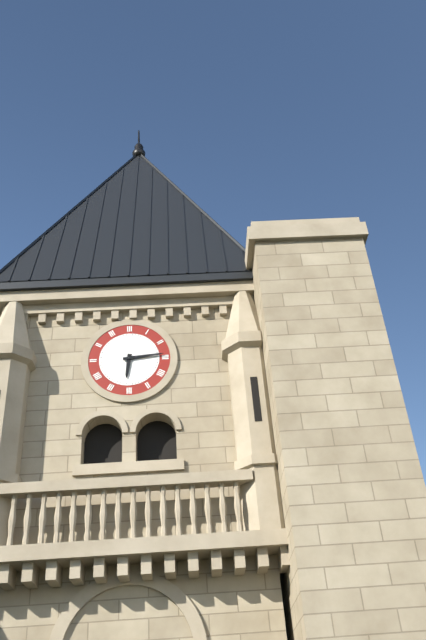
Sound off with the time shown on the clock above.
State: 6:14
